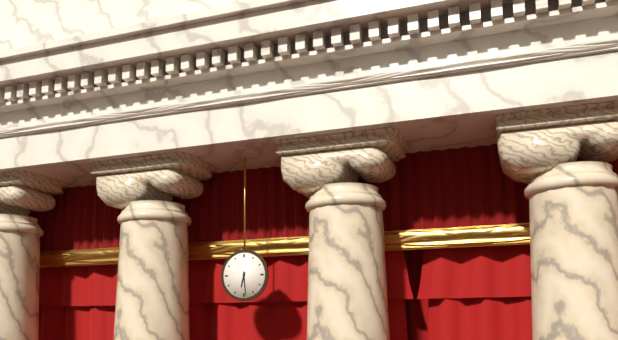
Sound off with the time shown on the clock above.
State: 6:29
